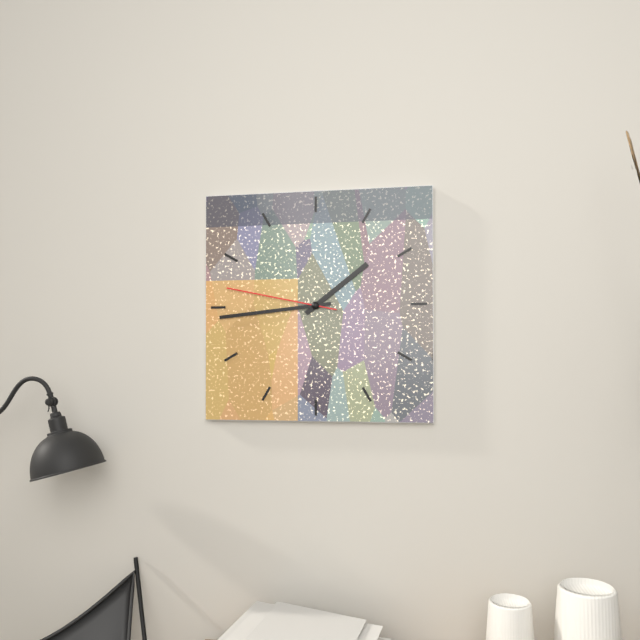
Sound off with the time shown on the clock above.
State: 1:44:47
